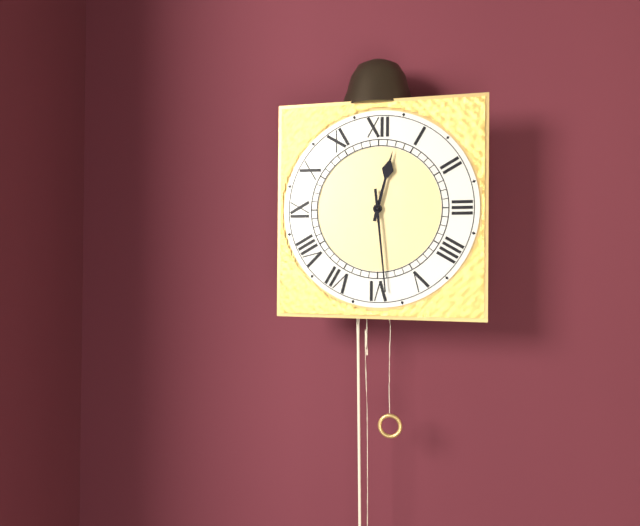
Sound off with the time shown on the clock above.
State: 12:29
